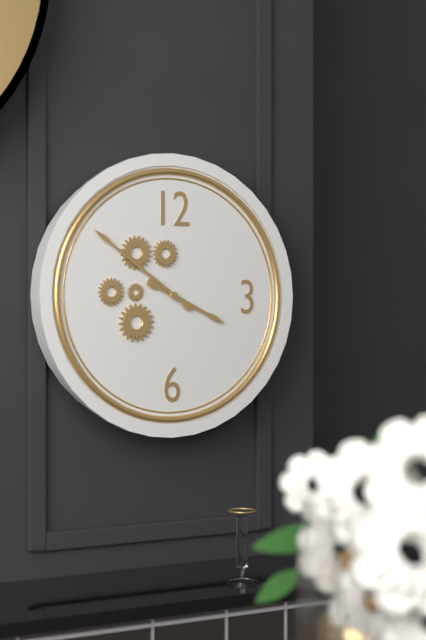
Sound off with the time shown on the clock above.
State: 3:51
